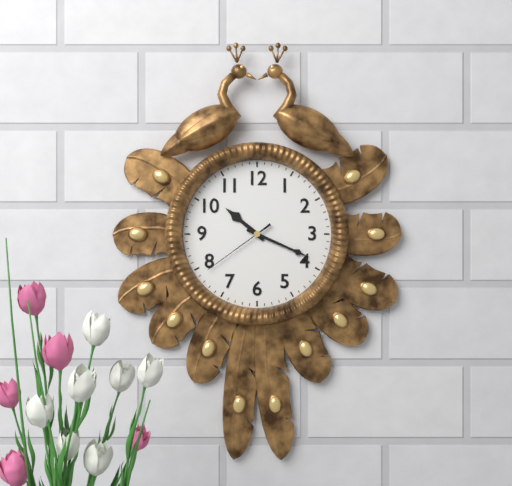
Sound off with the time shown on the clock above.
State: 10:19:39
